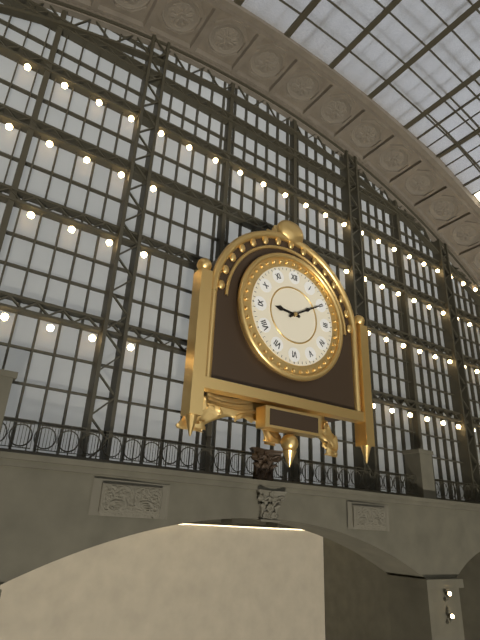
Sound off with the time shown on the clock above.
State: 9:10
